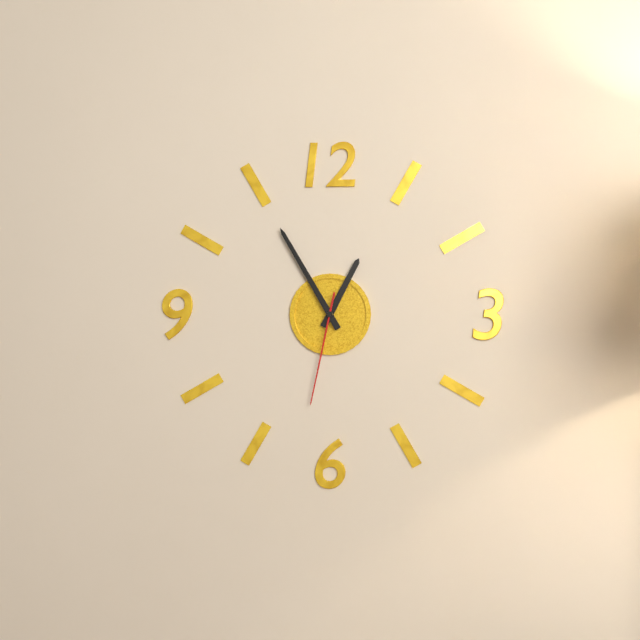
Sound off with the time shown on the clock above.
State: 12:55:32
